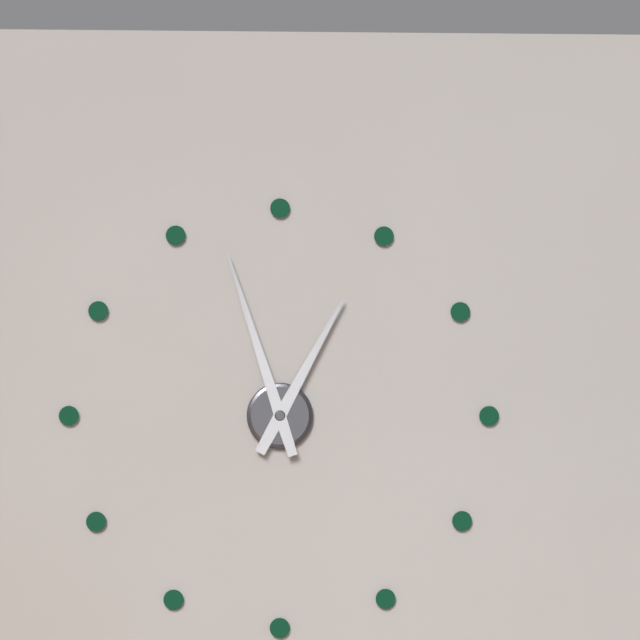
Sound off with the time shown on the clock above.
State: 12:57
